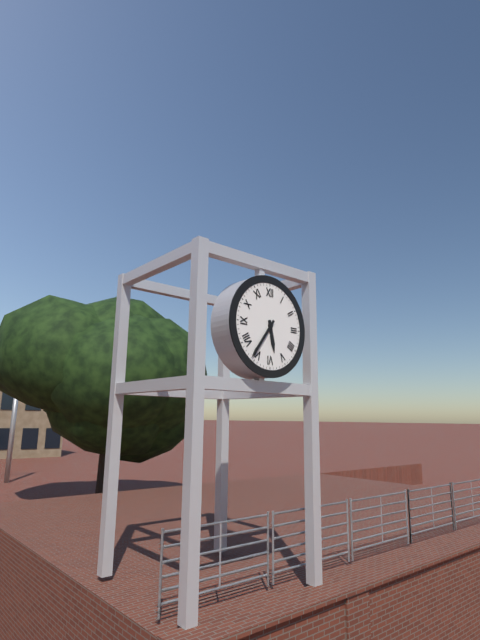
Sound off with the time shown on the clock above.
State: 5:36
